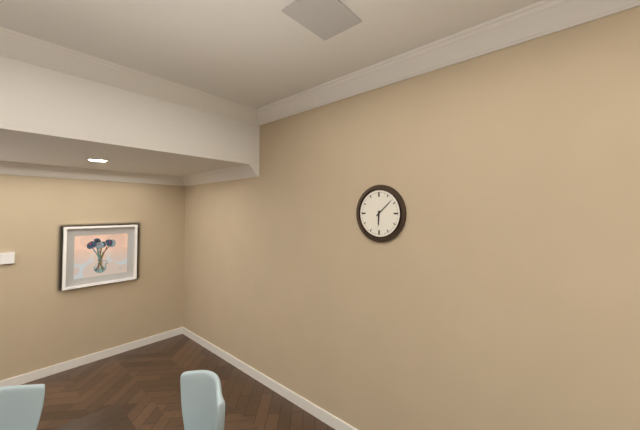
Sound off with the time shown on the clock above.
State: 6:08
